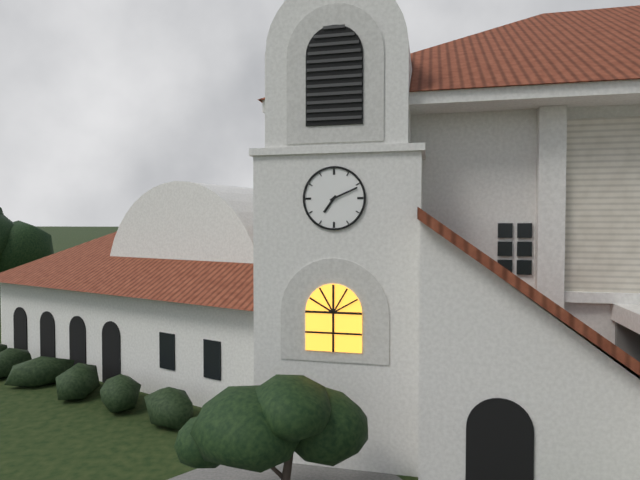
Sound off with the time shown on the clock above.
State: 7:11
